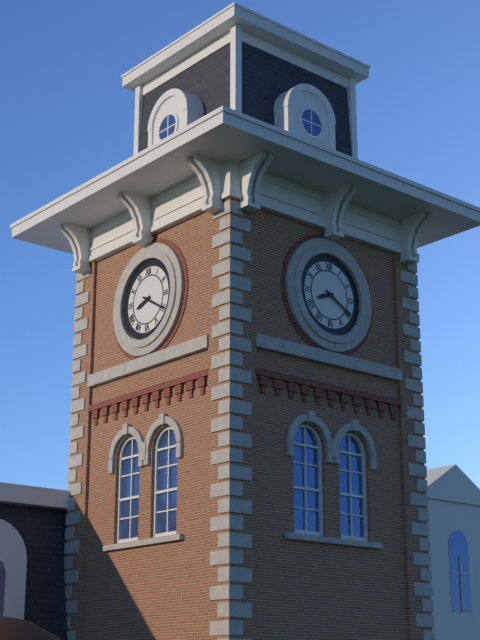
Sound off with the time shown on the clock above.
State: 8:20
